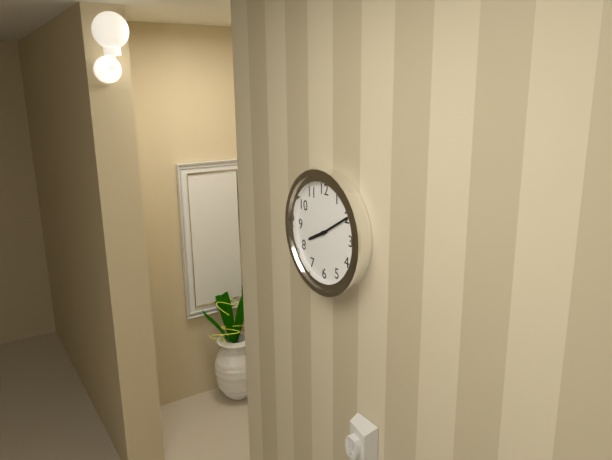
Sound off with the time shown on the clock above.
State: 8:10
